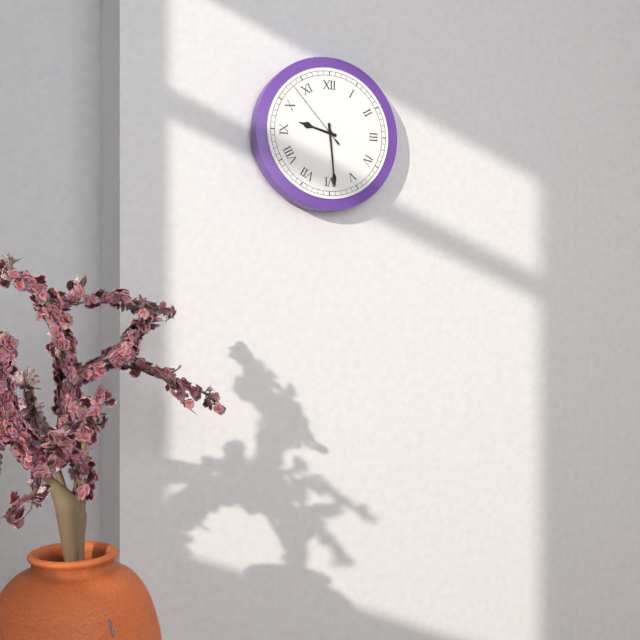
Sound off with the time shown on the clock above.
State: 9:29:53
